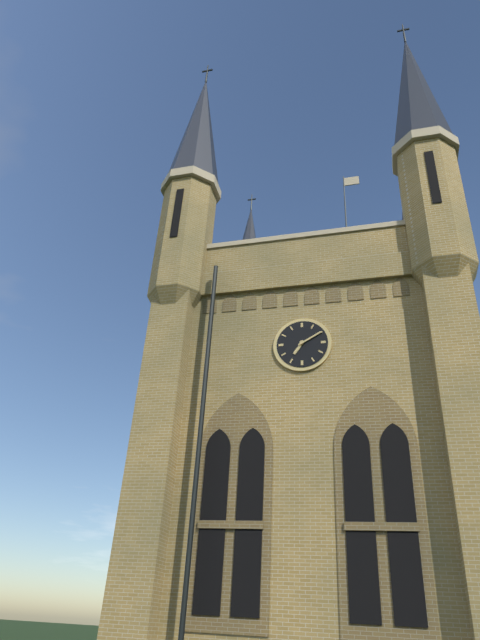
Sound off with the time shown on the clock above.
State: 7:10
